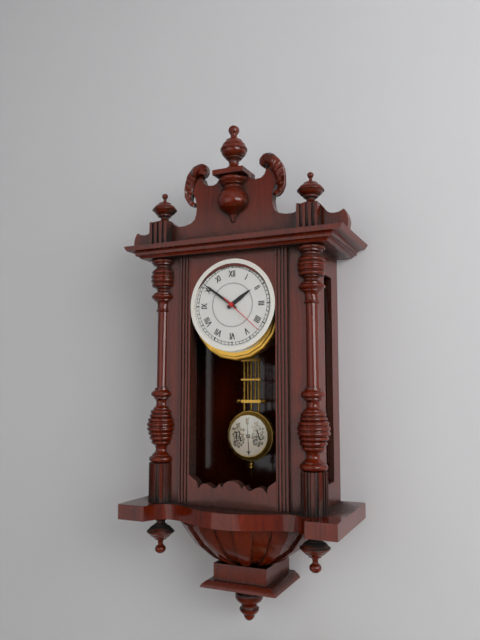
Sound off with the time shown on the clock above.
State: 1:51
